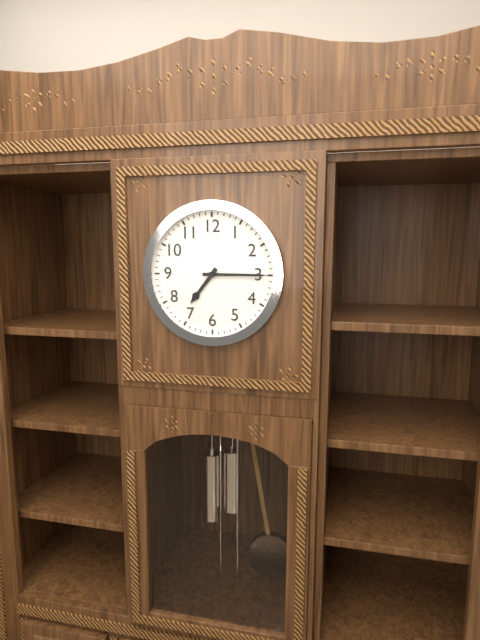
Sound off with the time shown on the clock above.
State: 7:15
